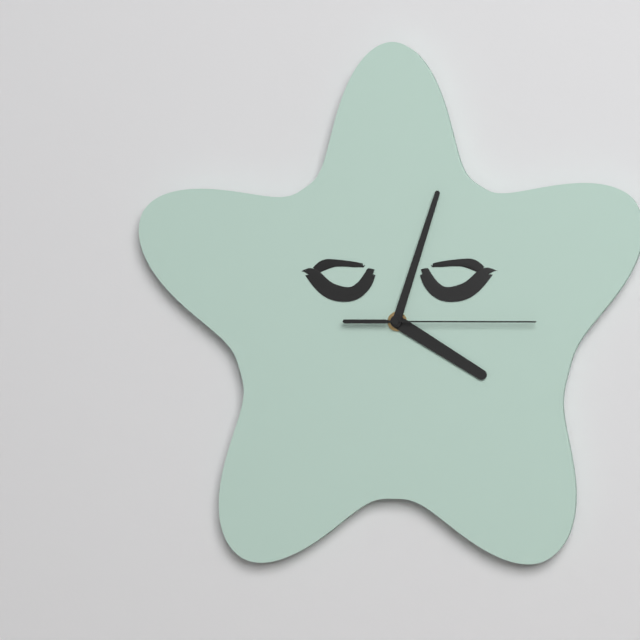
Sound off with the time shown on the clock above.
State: 4:03:15
